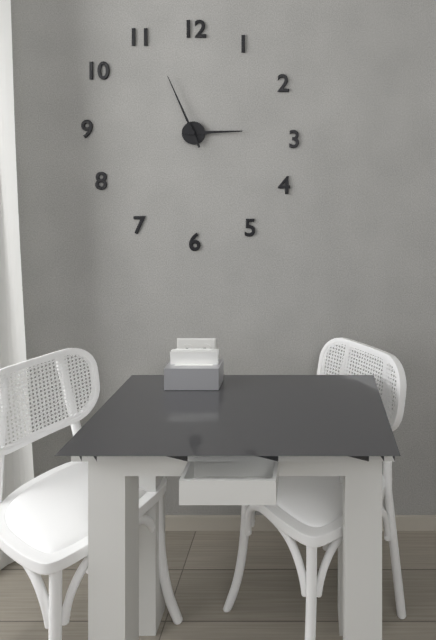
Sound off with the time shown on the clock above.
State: 2:56
